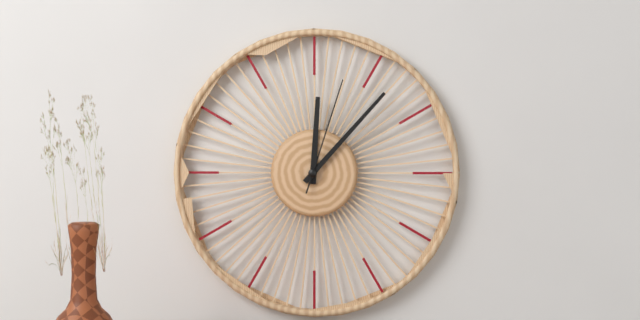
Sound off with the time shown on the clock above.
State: 12:07:03
